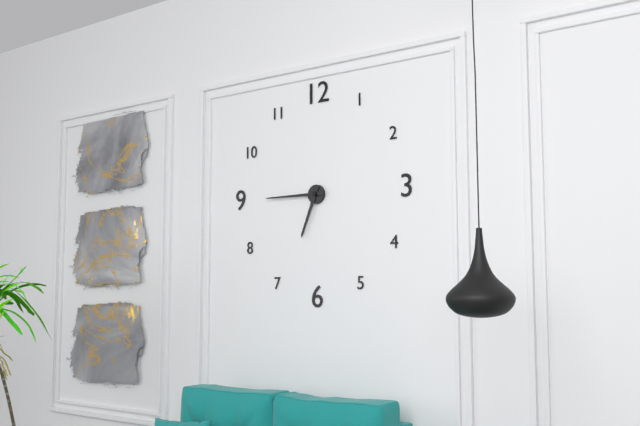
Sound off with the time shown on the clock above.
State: 6:45
